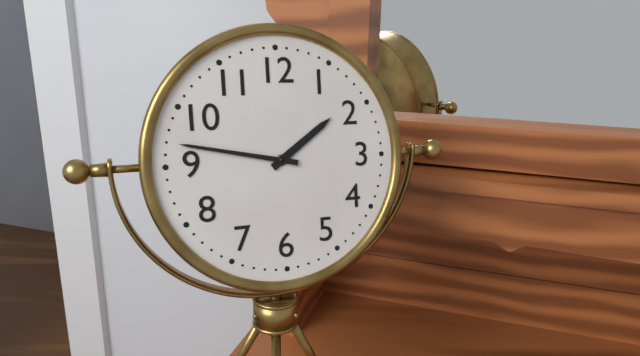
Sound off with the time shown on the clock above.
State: 1:47
